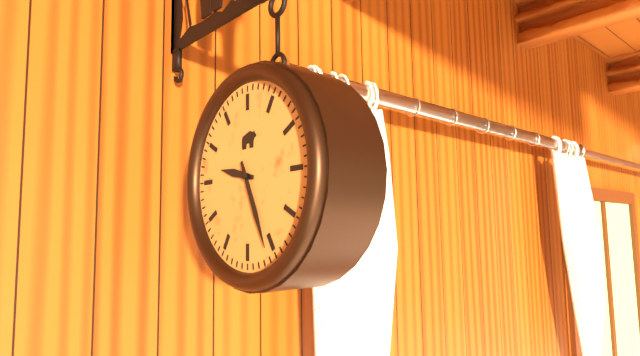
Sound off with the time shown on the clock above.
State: 9:26
